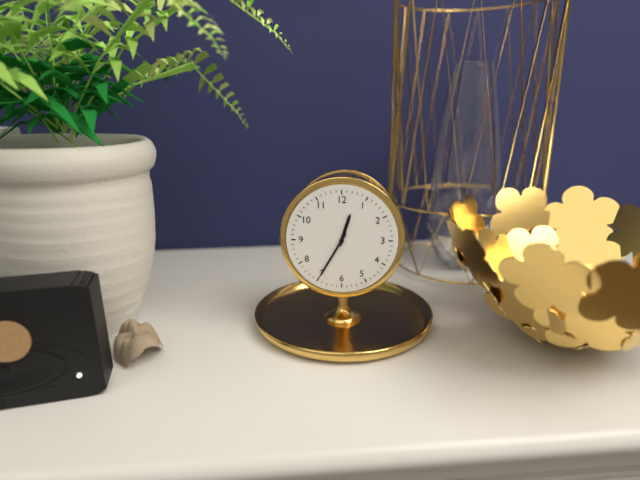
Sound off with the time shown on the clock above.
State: 12:35
